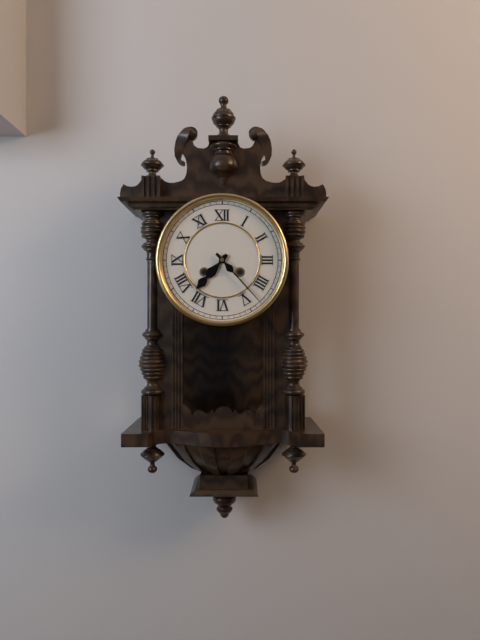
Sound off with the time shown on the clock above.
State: 7:23
